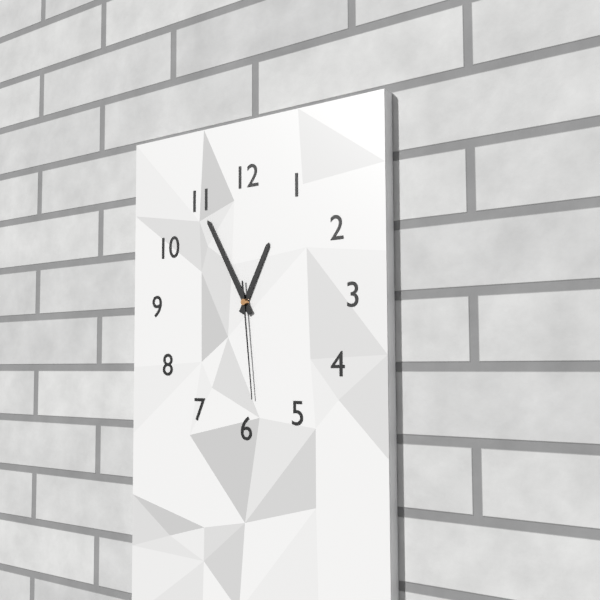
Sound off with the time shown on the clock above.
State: 12:55:29
